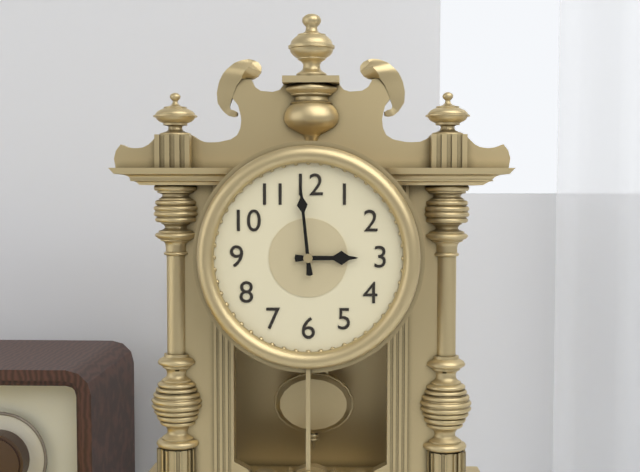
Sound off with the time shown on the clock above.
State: 2:59
